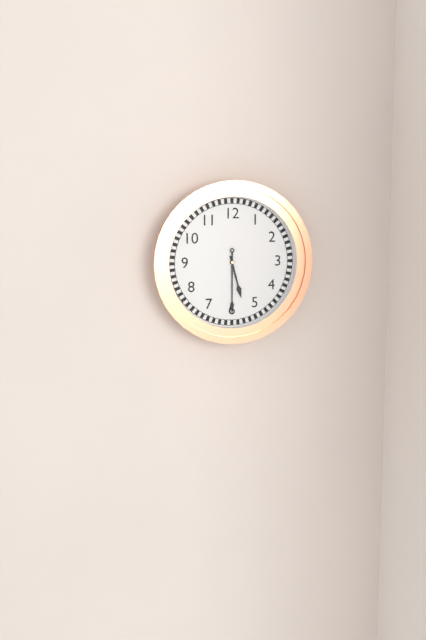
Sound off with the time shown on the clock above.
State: 5:30
